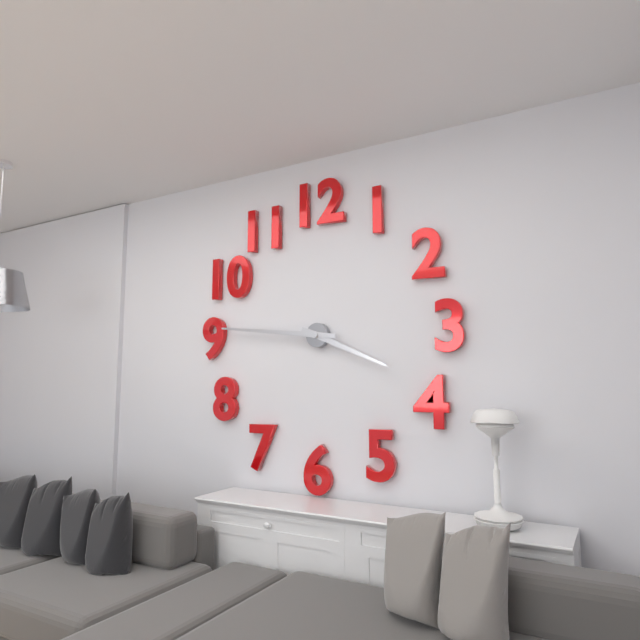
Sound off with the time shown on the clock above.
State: 3:46
